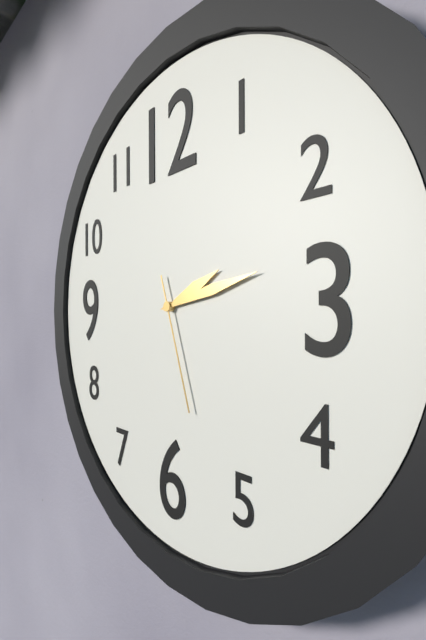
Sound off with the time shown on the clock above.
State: 2:13:27
